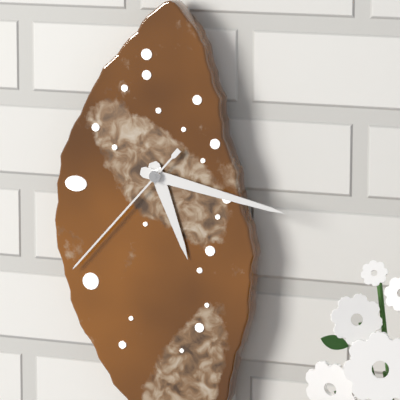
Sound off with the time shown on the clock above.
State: 5:17:37
